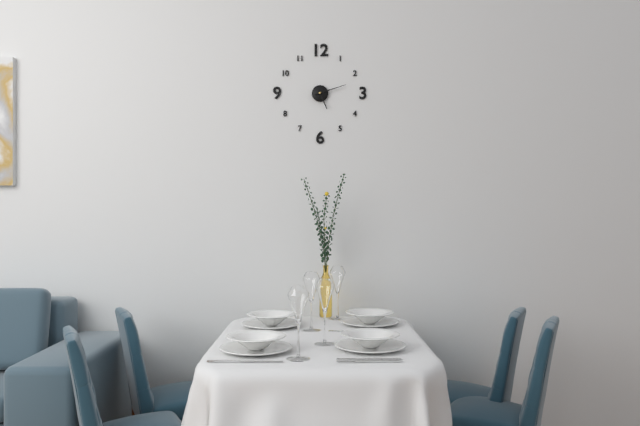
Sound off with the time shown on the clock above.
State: 5:12
